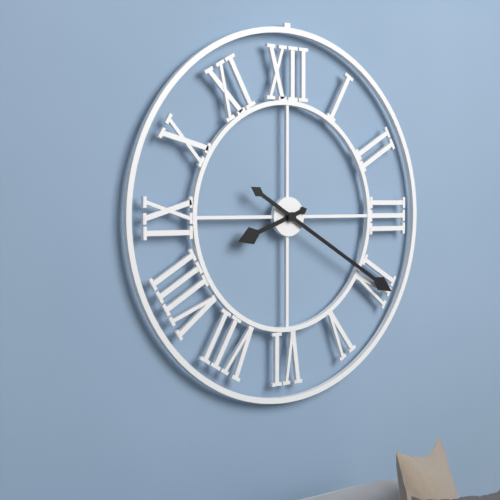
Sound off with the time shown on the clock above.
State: 8:20
